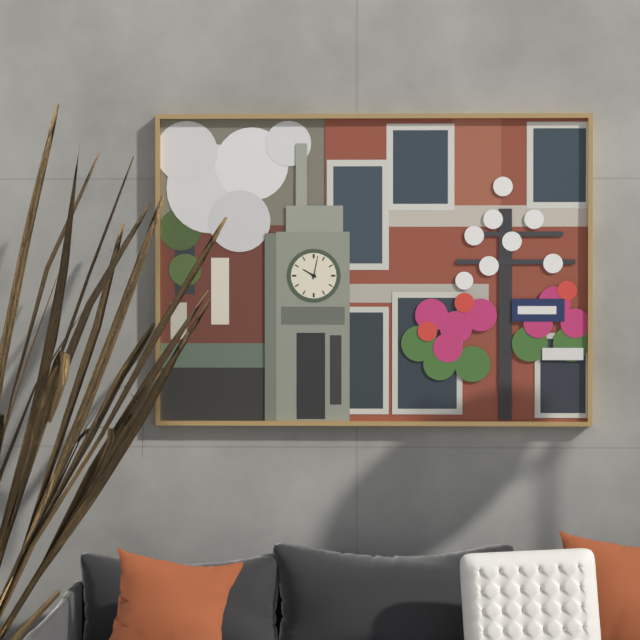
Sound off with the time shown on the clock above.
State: 10:02
